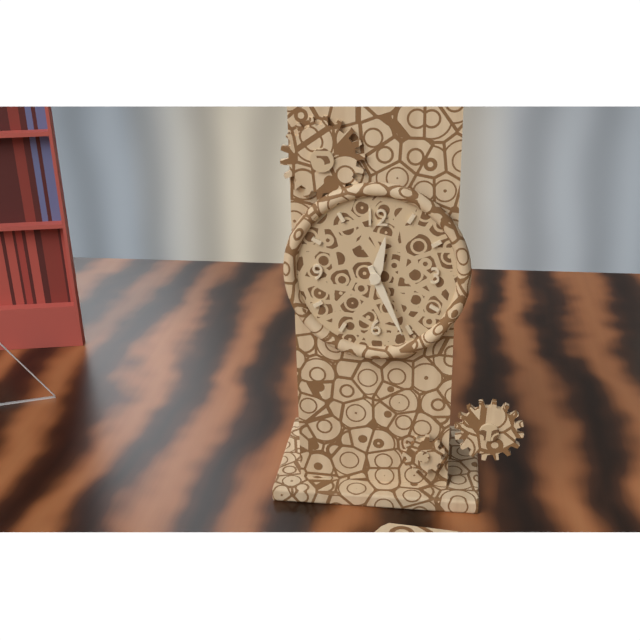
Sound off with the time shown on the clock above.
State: 12:26
